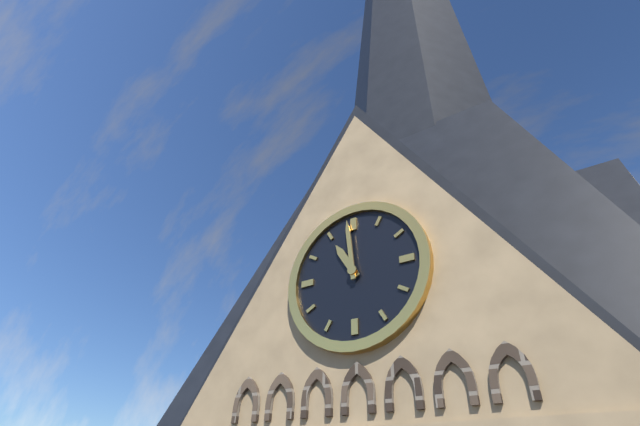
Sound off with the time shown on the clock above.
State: 10:59
